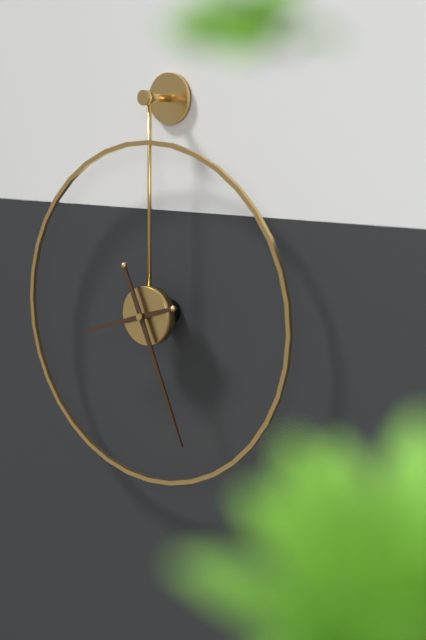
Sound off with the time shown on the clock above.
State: 8:26
